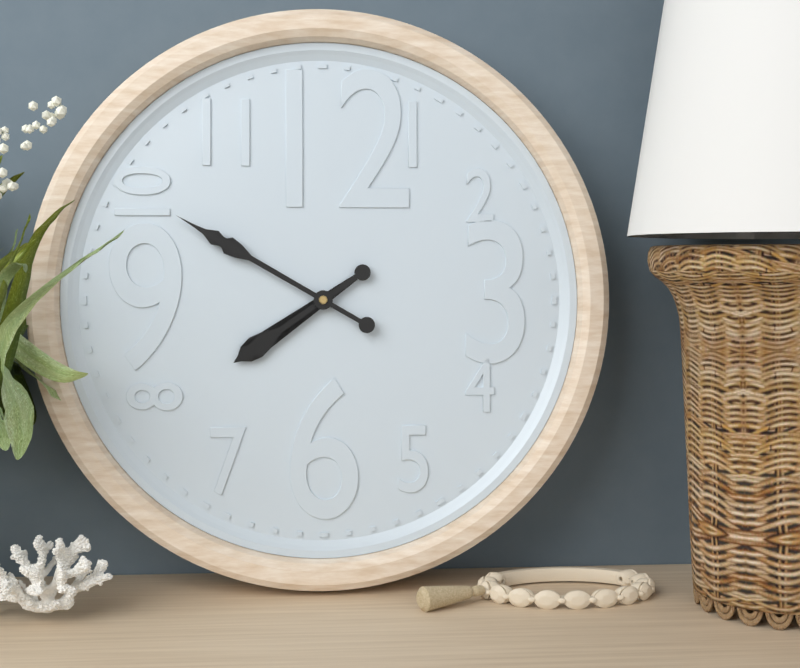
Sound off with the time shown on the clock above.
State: 7:50
